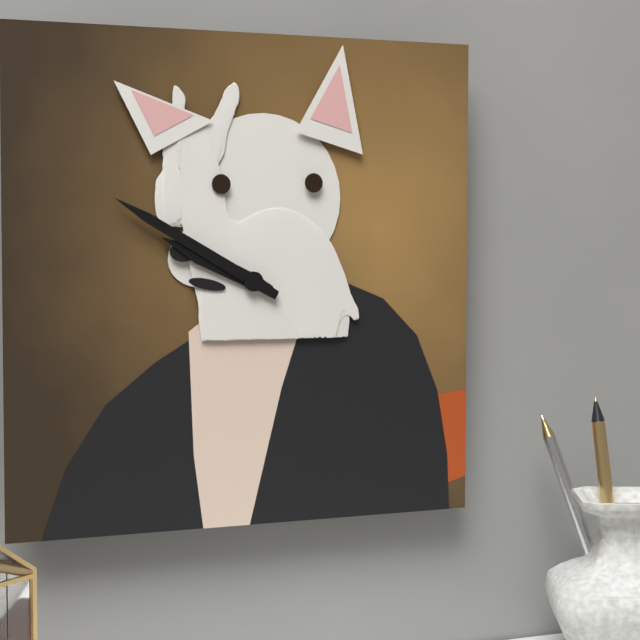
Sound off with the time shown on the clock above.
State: 9:50
